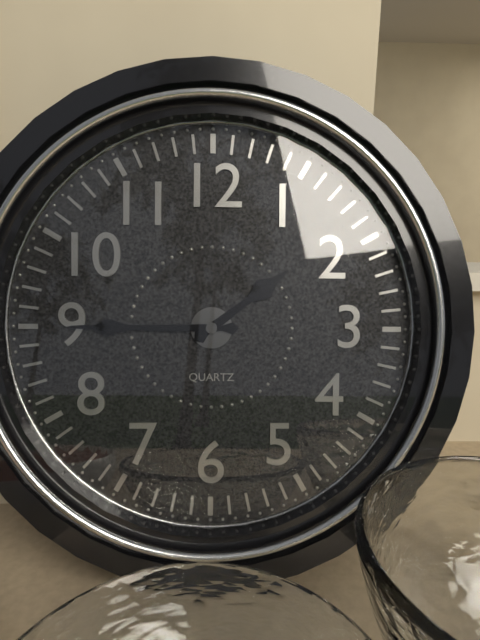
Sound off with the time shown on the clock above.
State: 1:45
